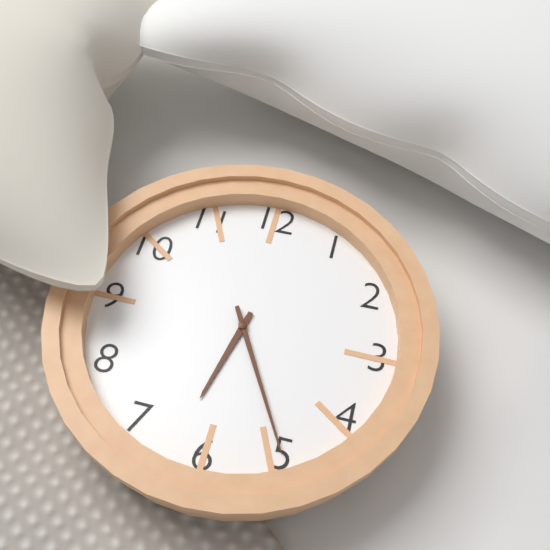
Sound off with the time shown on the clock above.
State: 6:25
